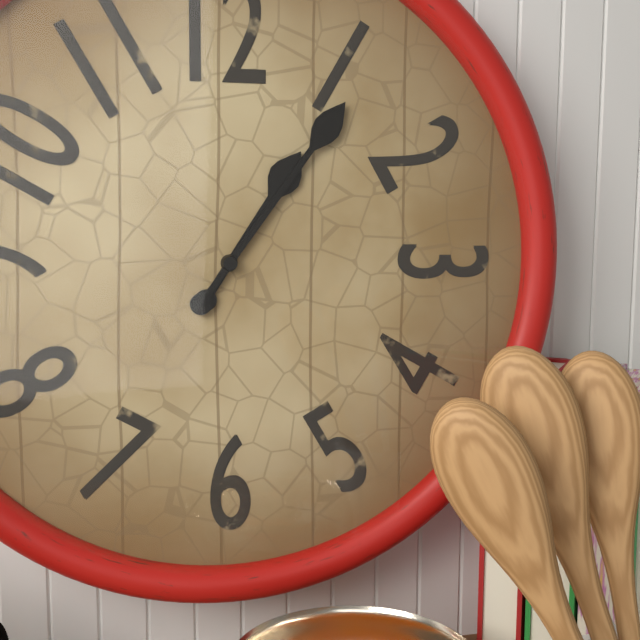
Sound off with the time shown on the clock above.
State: 1:06
